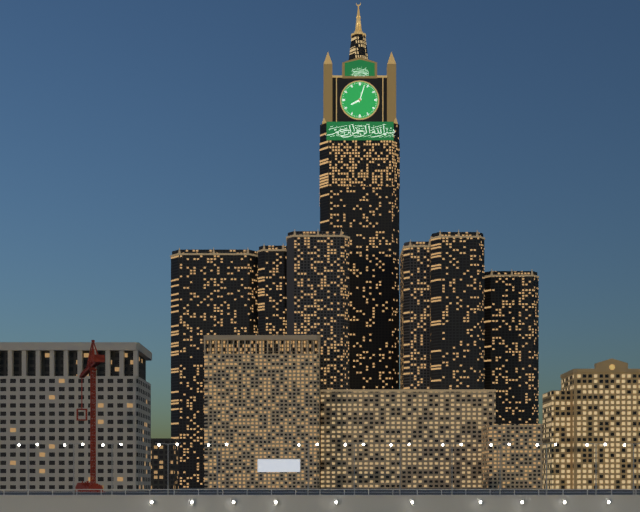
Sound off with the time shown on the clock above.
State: 8:03
